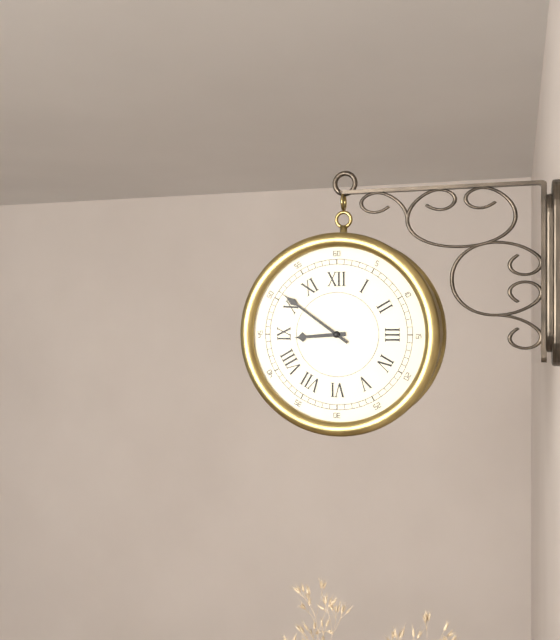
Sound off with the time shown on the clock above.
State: 8:51
